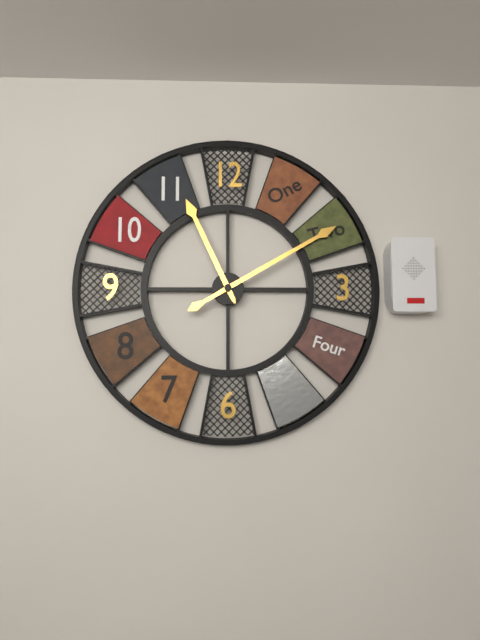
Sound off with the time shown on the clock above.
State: 11:10
